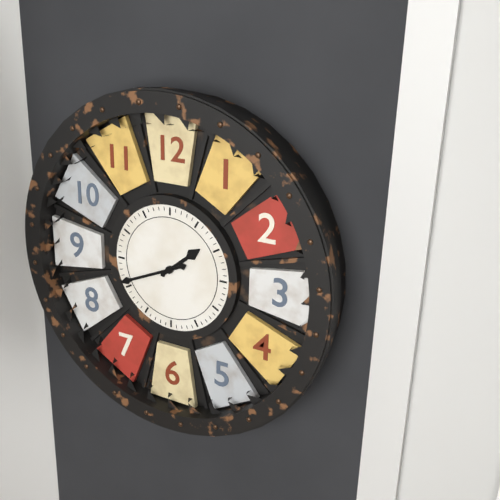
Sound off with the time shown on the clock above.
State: 1:41
